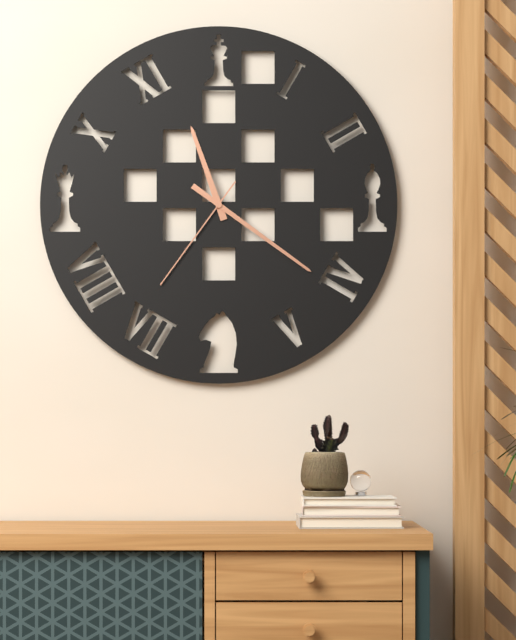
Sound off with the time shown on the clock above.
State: 11:21:36
